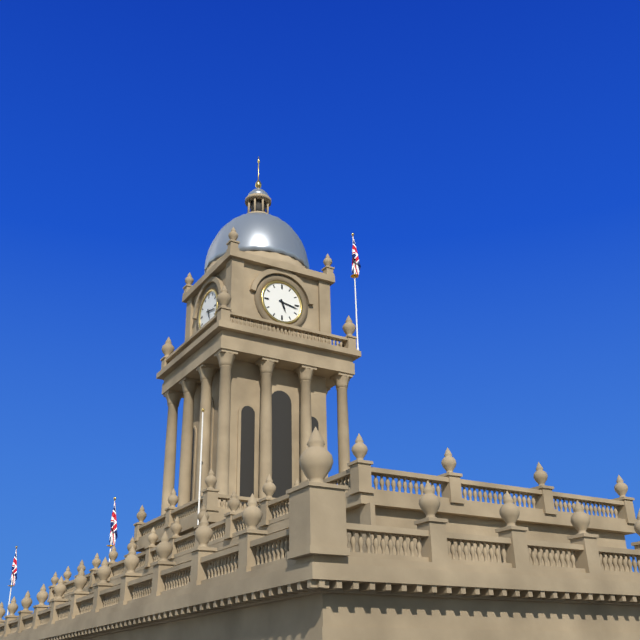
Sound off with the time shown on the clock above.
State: 5:17
